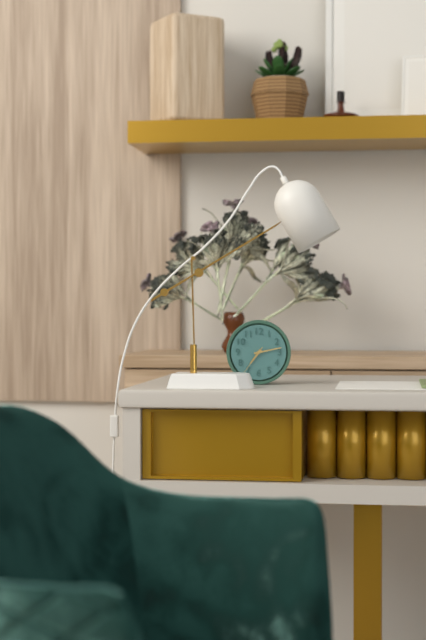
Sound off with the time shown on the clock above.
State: 7:13
